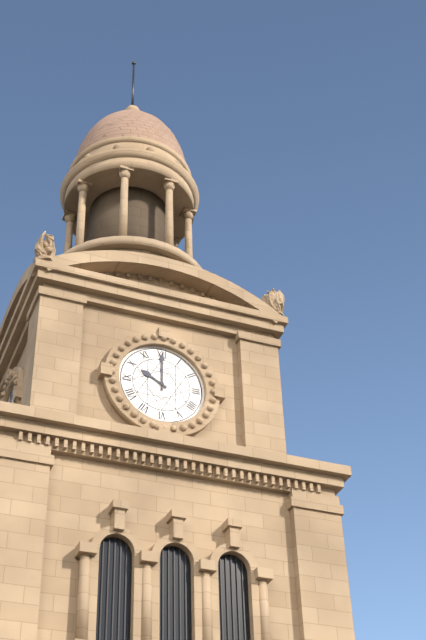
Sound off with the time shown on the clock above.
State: 10:00
